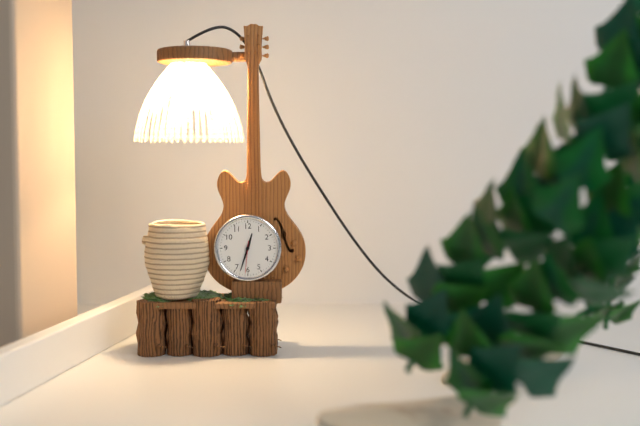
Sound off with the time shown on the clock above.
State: 12:33
